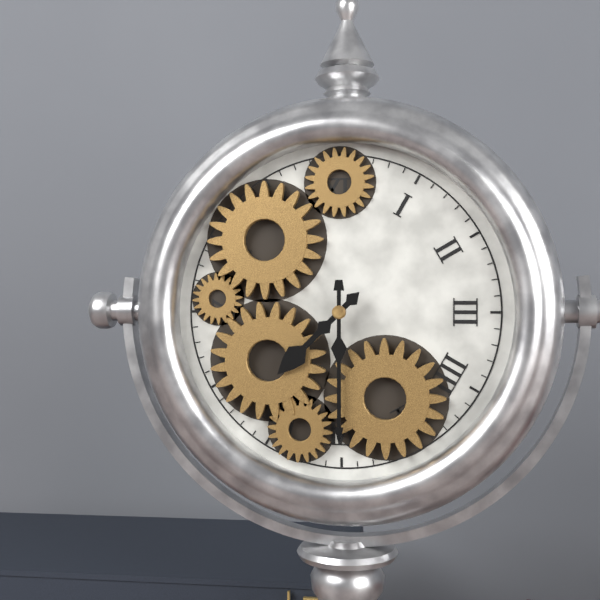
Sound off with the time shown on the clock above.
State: 7:30
